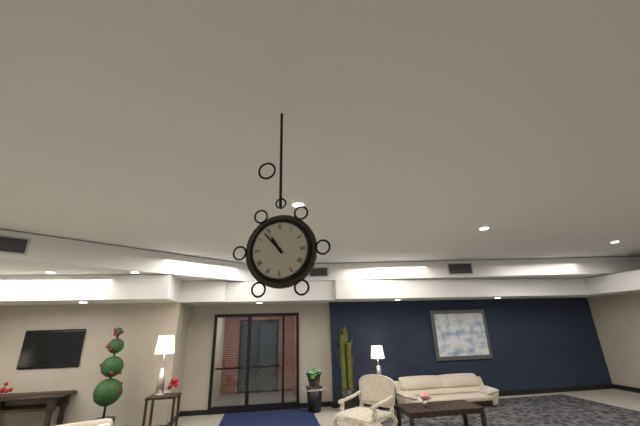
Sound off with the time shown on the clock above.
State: 10:53
